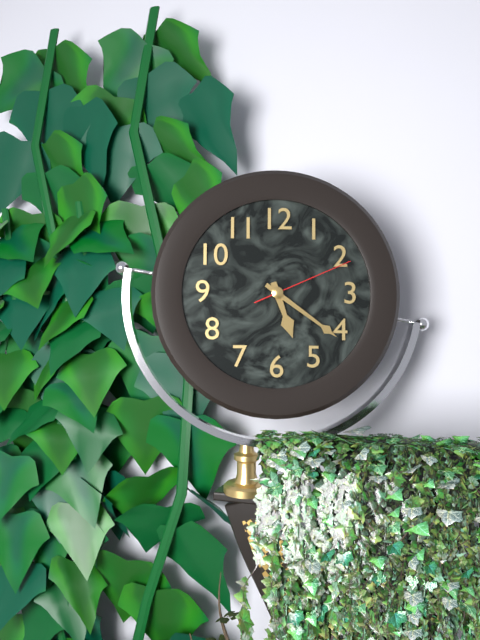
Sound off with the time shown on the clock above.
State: 5:21:11
